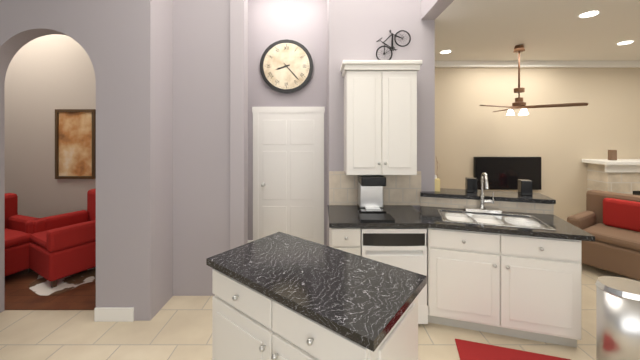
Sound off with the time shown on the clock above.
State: 8:23
